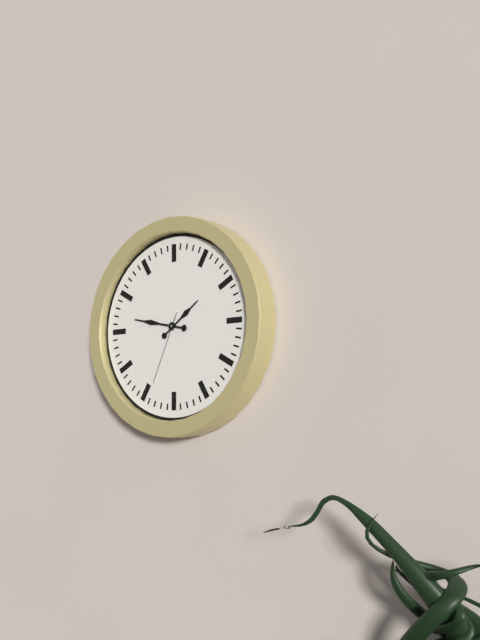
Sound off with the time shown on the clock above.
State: 1:47:34
